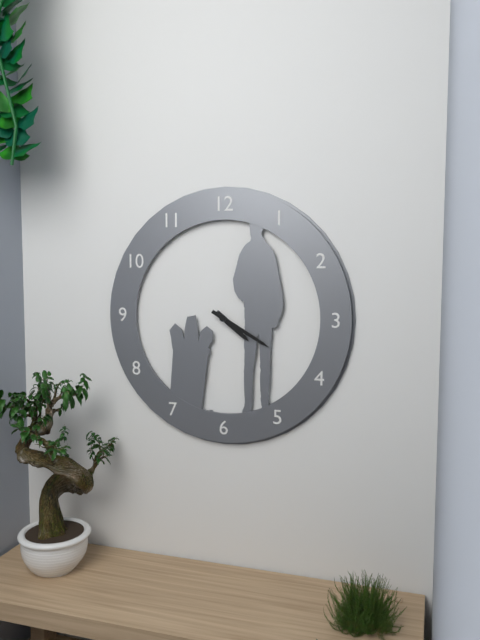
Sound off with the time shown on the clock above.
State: 4:20
